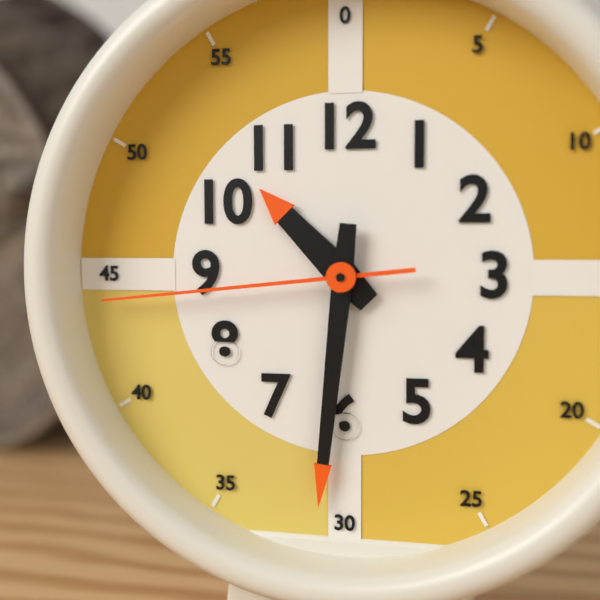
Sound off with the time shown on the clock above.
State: 10:31:44
